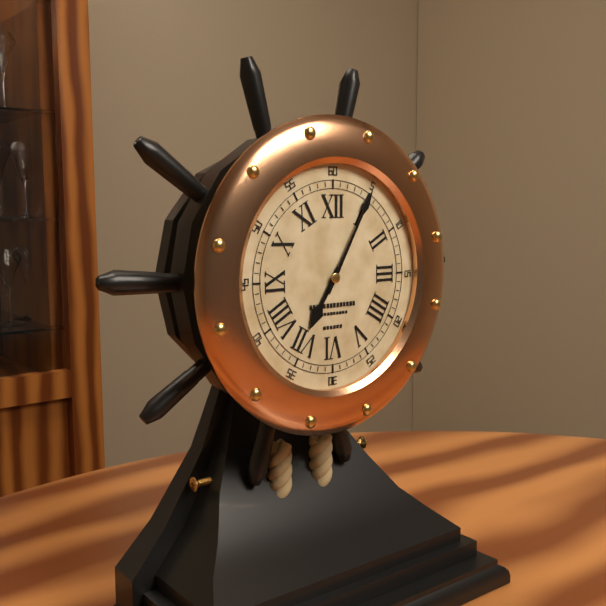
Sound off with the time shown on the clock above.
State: 7:05
